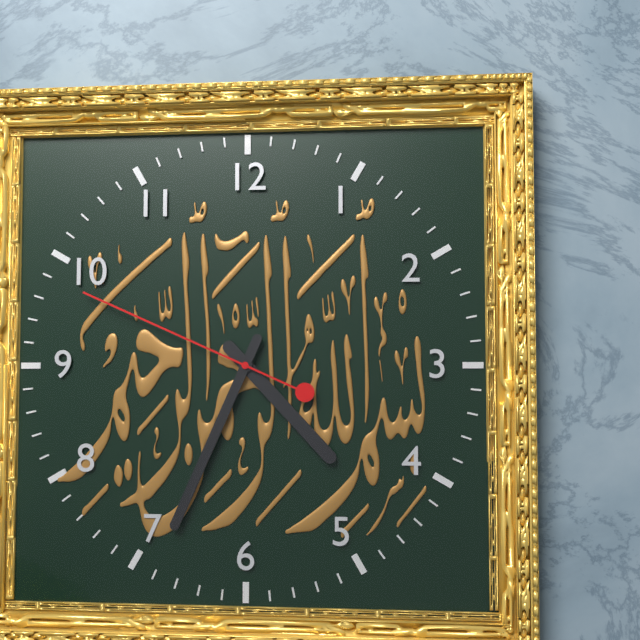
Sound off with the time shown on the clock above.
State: 4:34:49
